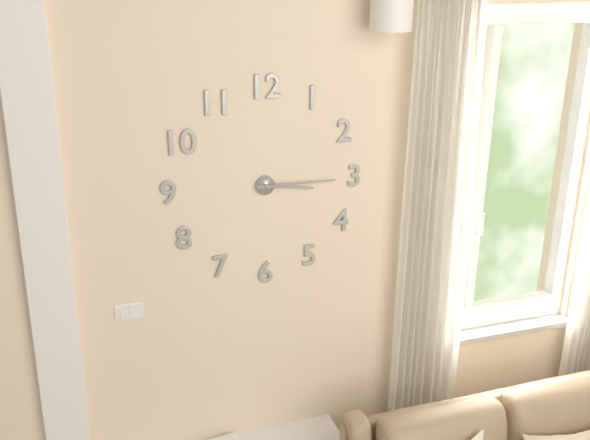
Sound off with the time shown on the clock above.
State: 3:15
